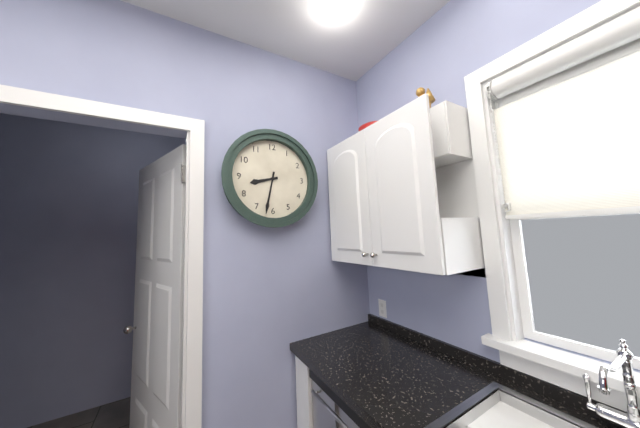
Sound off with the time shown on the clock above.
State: 8:32
